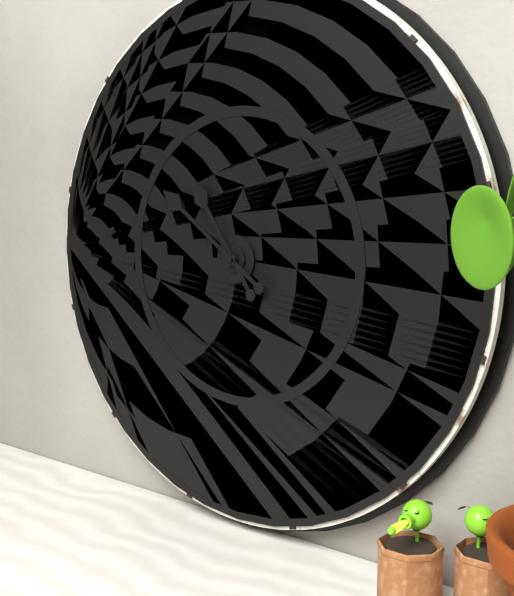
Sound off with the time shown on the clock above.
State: 10:51
